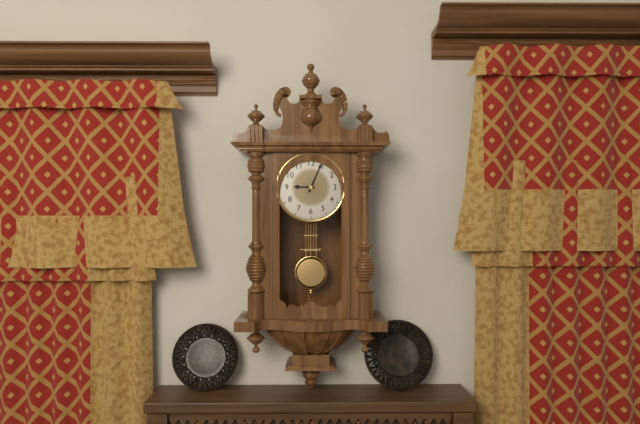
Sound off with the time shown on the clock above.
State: 9:04
